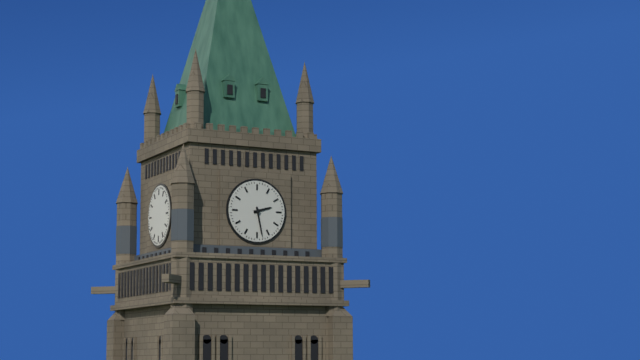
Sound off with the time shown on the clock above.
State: 2:28
